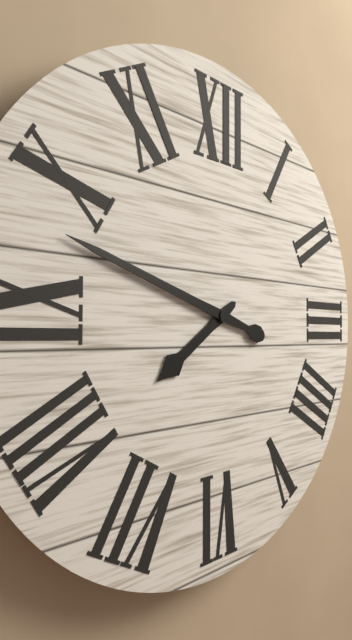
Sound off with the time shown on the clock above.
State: 7:48
